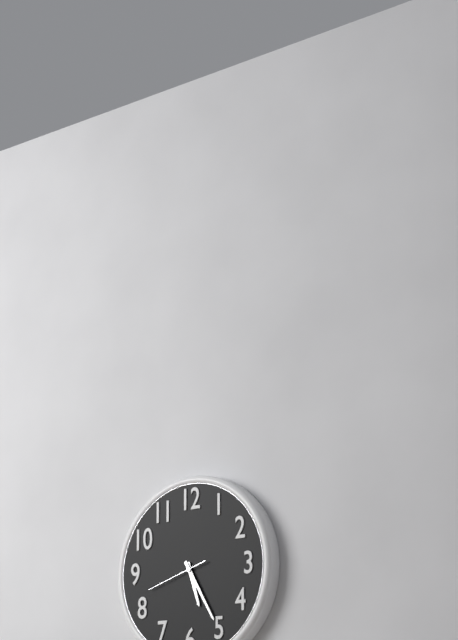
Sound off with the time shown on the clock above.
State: 5:25:42
